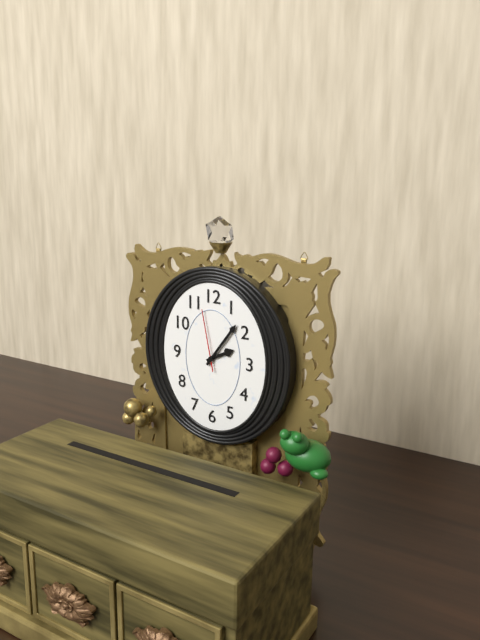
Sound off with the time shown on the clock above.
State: 2:06:58
